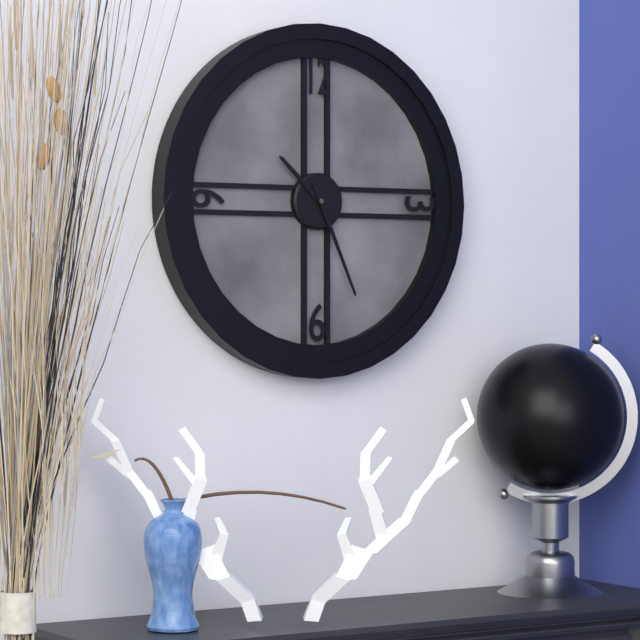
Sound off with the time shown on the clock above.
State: 10:26
